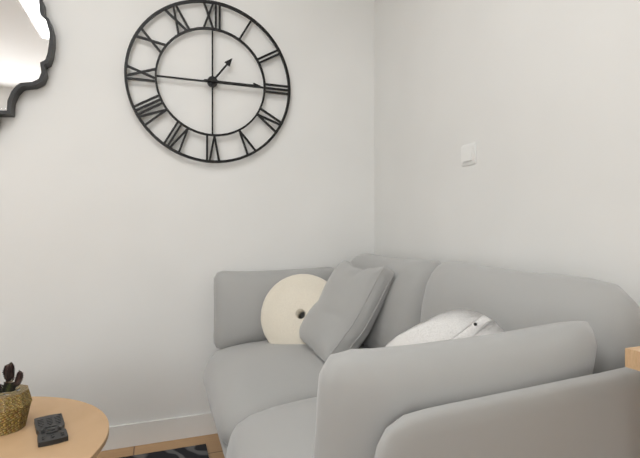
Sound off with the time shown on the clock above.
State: 1:15
